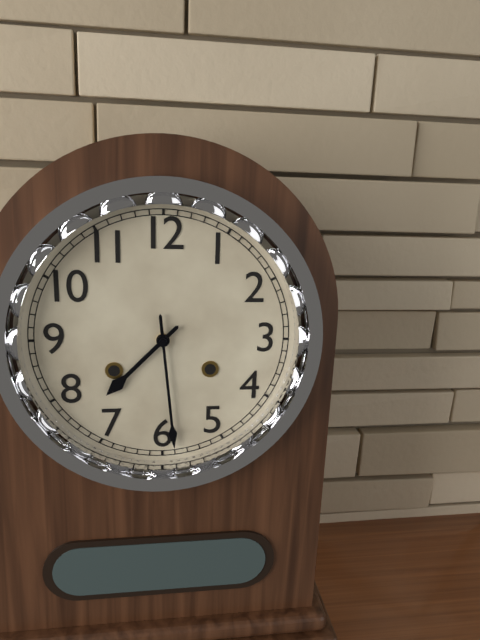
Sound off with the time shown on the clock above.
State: 7:29
